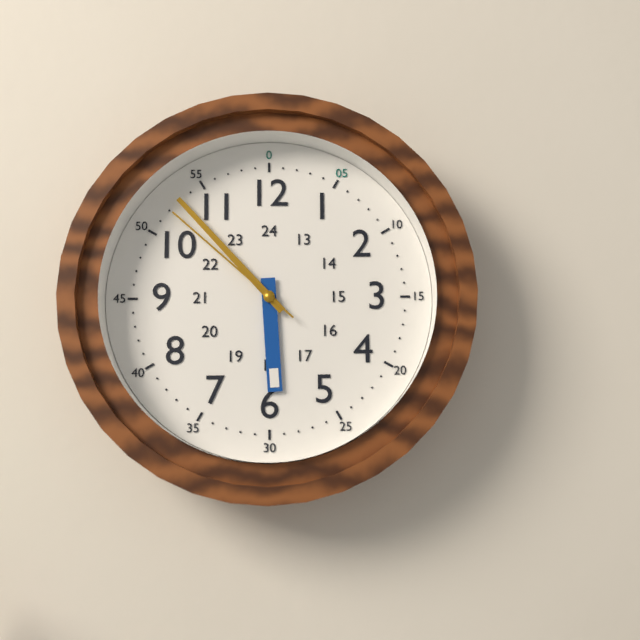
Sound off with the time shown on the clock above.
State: 5:53:52
